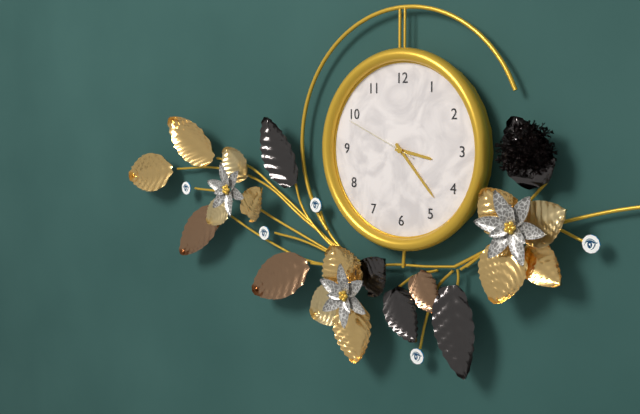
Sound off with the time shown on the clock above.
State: 3:23:49
